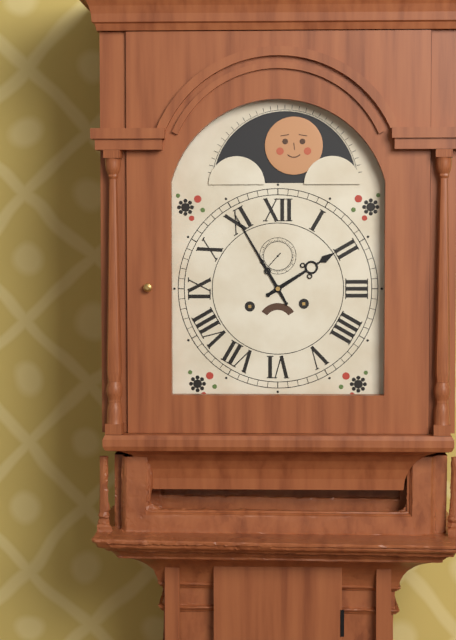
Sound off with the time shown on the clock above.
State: 1:55
